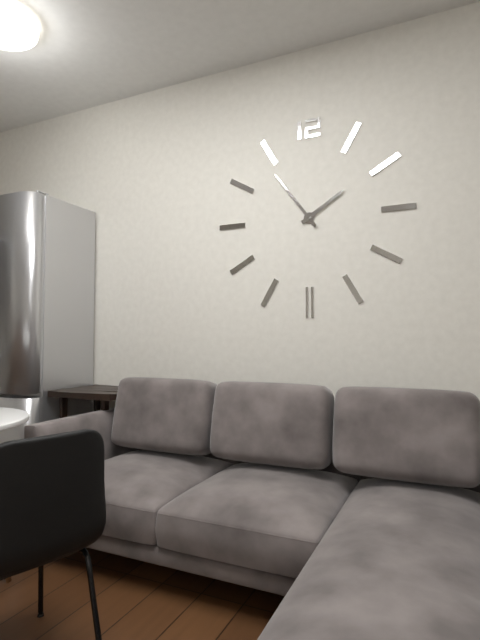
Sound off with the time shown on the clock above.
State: 1:54
